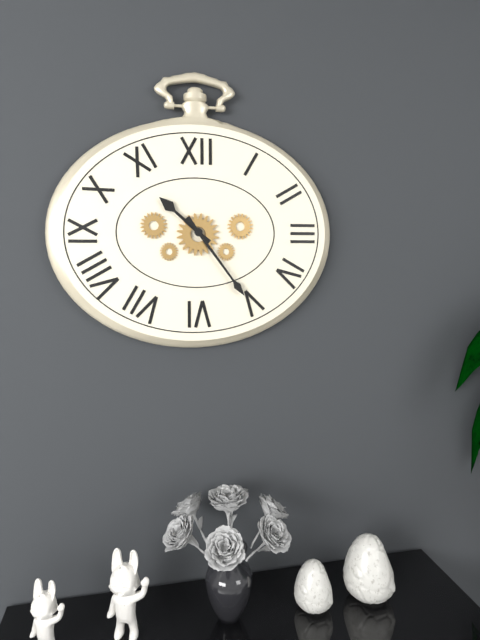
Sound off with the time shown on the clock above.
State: 10:24
